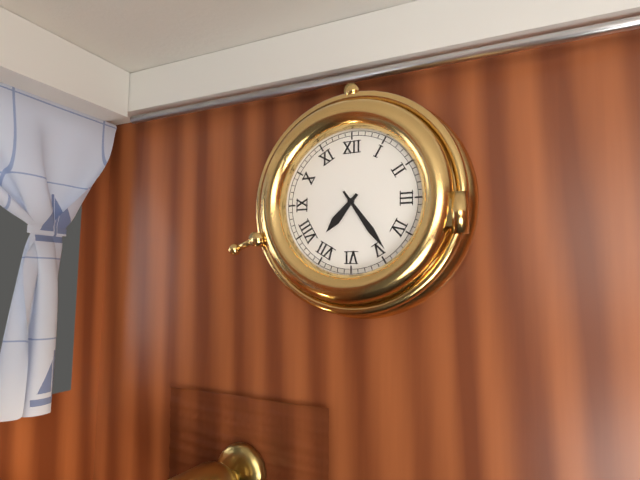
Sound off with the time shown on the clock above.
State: 7:24
